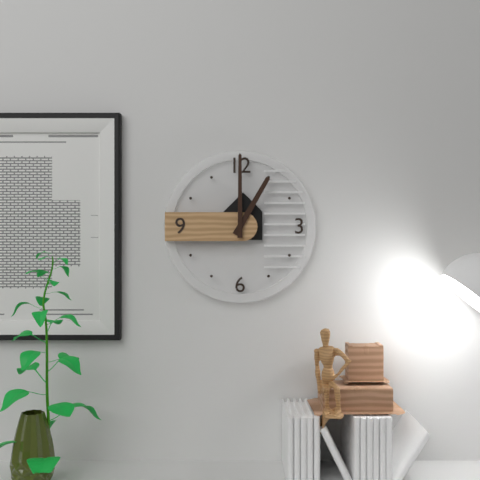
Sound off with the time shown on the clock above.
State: 1:00
